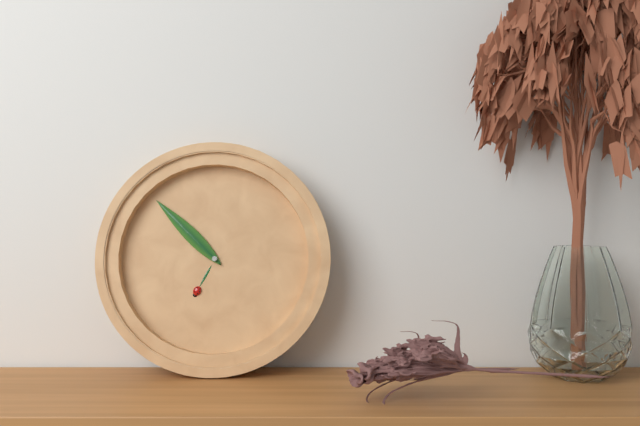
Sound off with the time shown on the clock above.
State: 6:52
